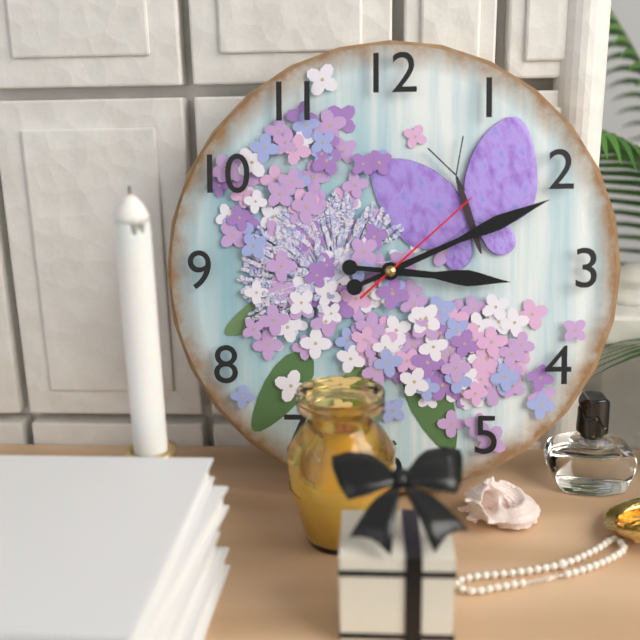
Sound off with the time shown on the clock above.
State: 3:11:08
